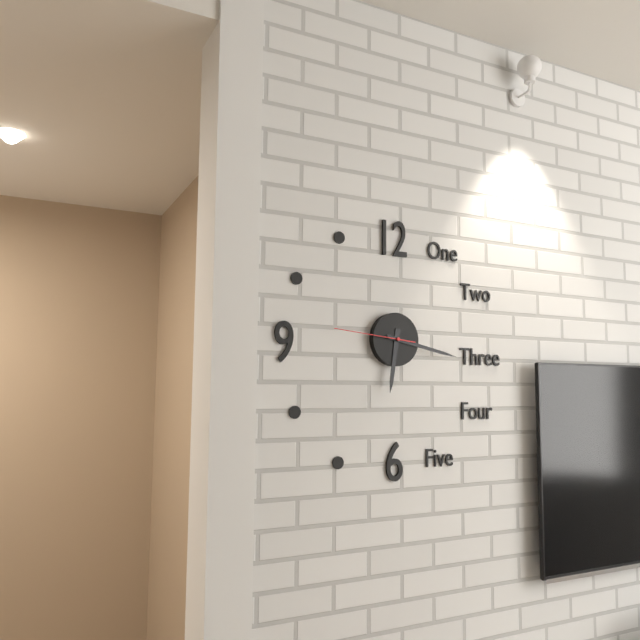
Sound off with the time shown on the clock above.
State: 6:17:46
